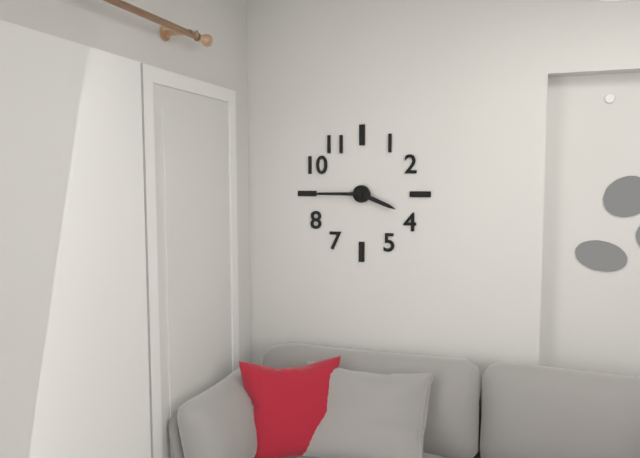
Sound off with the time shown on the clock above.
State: 3:45
